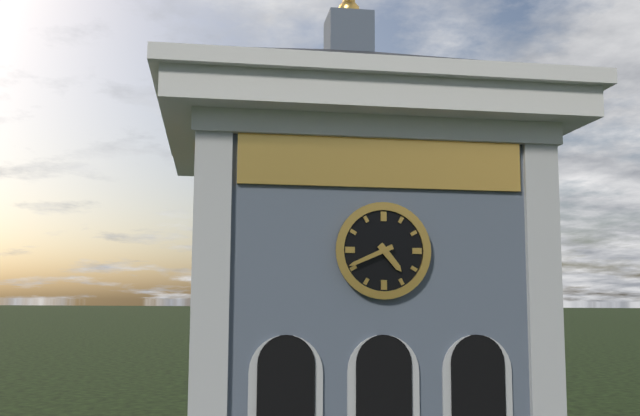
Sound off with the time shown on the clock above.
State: 4:41
